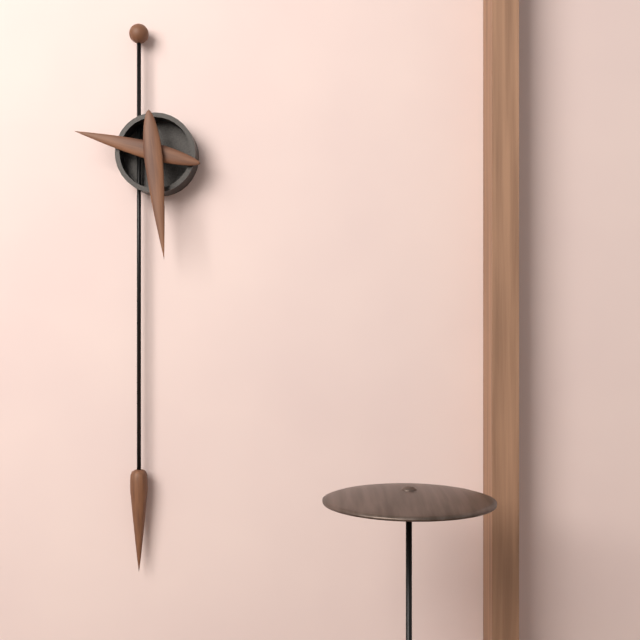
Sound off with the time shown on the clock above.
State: 9:29
